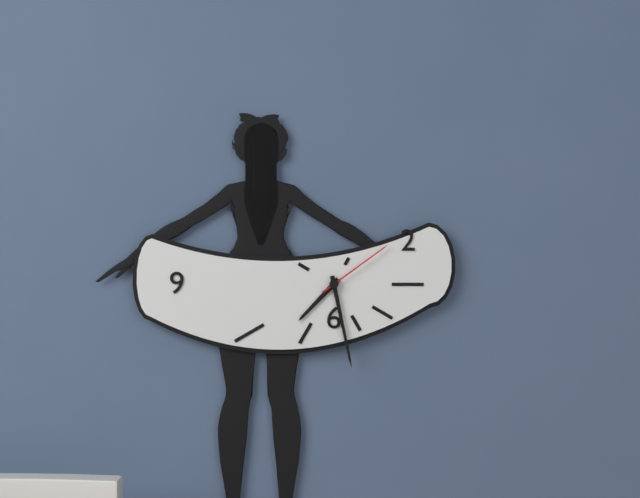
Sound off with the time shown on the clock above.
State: 7:28:09
